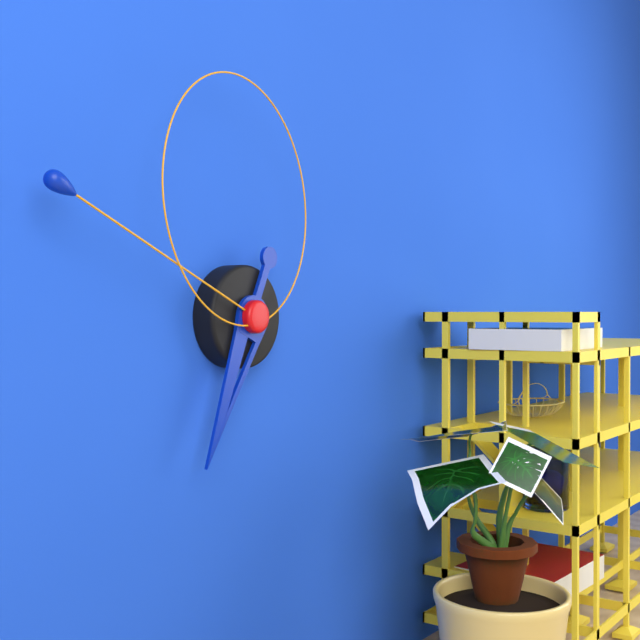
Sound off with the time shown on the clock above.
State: 6:49:58
